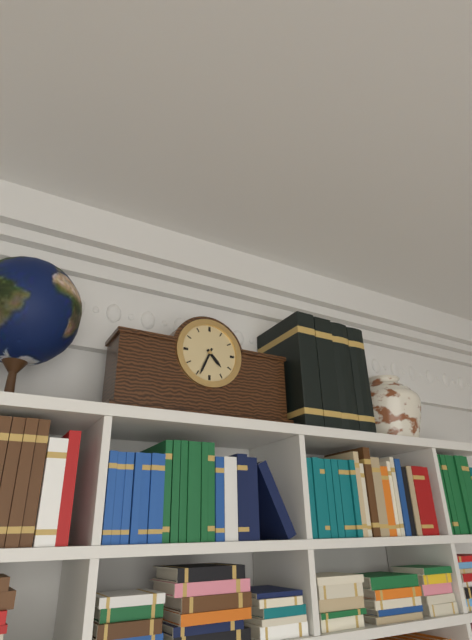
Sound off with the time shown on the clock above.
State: 4:34
